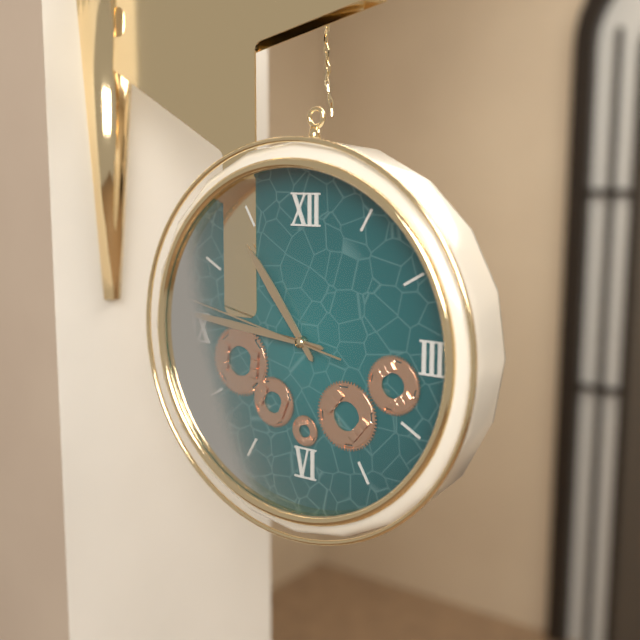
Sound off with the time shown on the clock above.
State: 10:46:47
